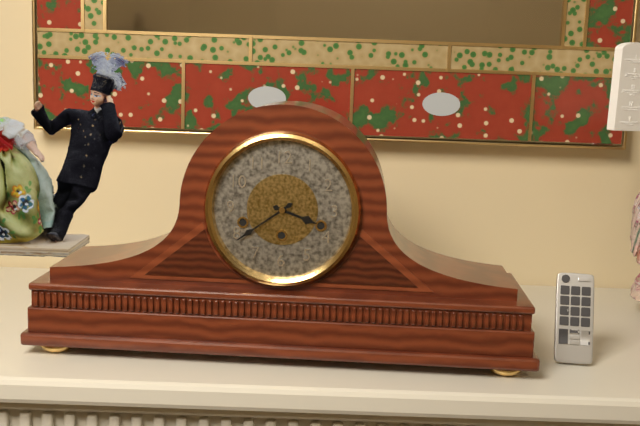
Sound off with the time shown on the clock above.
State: 3:39
